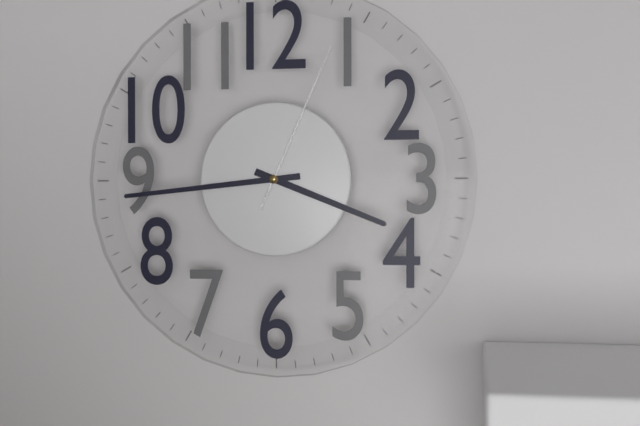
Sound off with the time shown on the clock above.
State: 3:44:04
